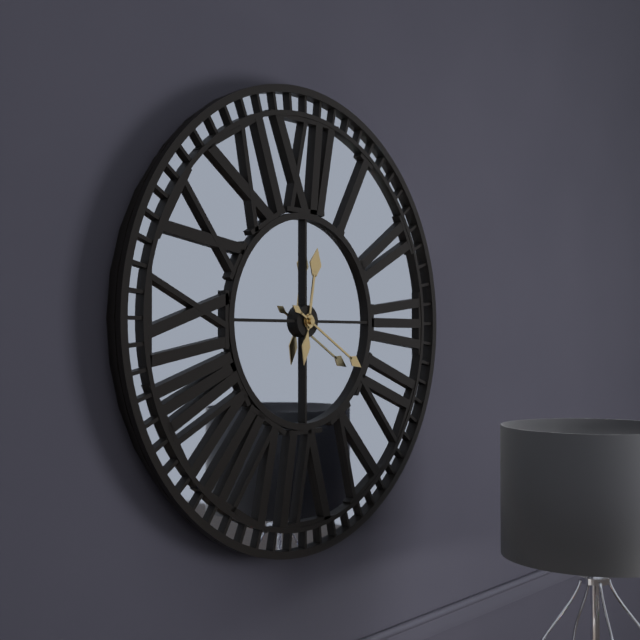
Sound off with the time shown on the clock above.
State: 12:20
